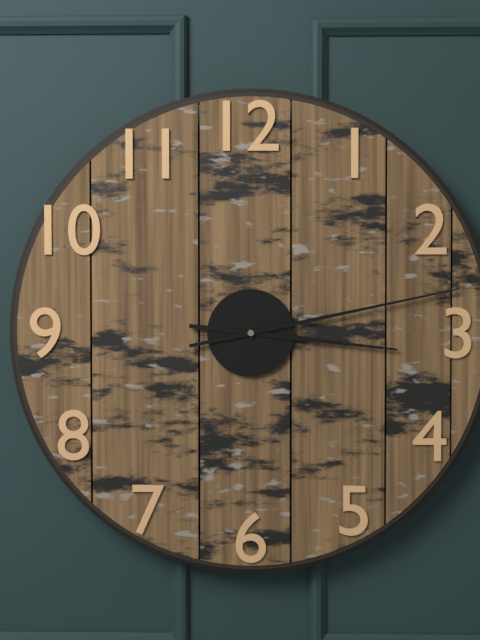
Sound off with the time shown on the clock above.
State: 3:13
